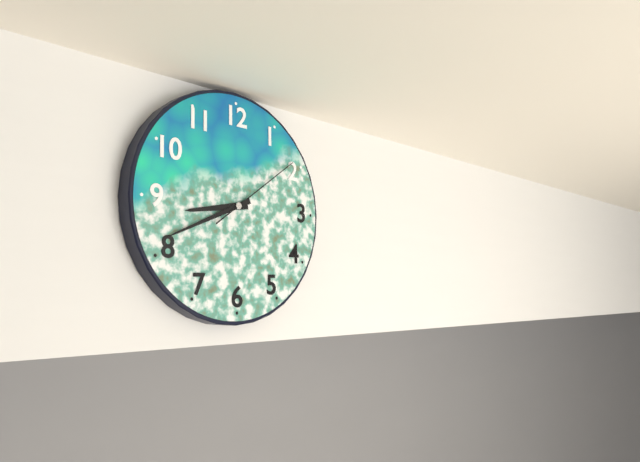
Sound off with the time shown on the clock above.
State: 8:41:09
